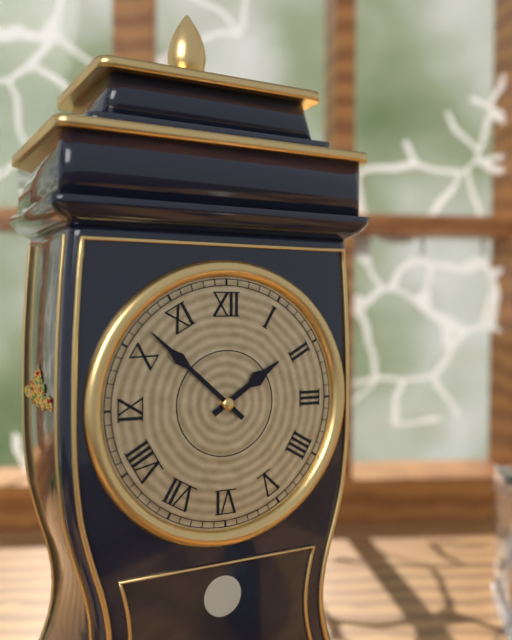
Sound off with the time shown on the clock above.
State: 1:52
